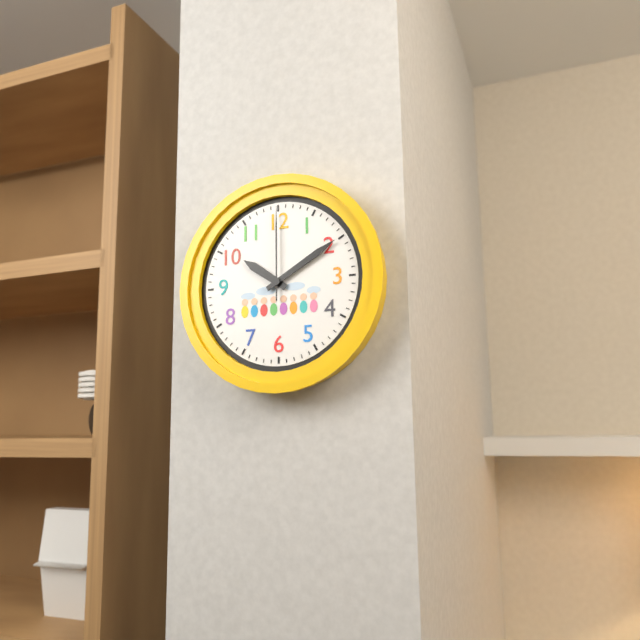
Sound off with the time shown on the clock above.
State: 10:10:00
